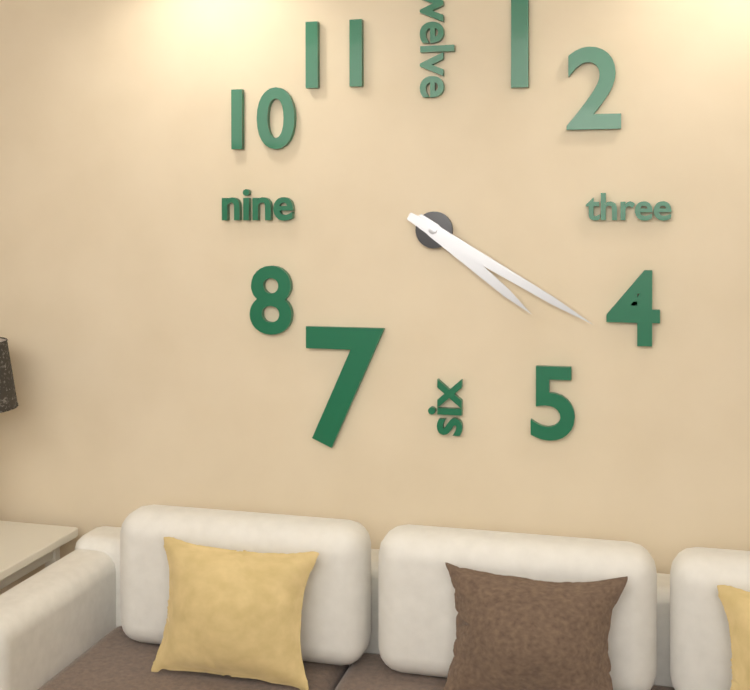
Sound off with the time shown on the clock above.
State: 4:20
